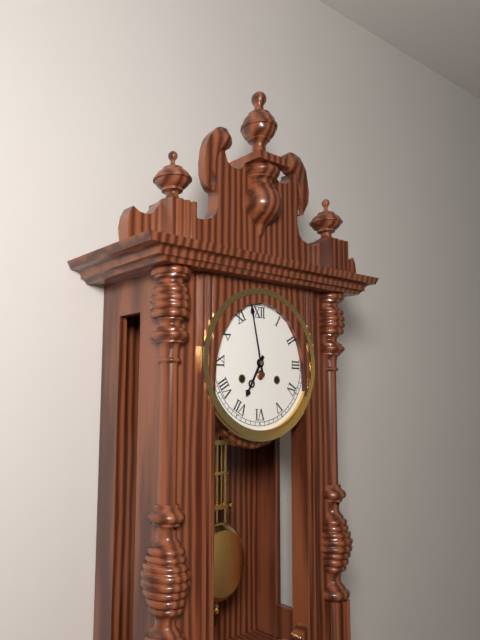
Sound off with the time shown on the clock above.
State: 6:58
